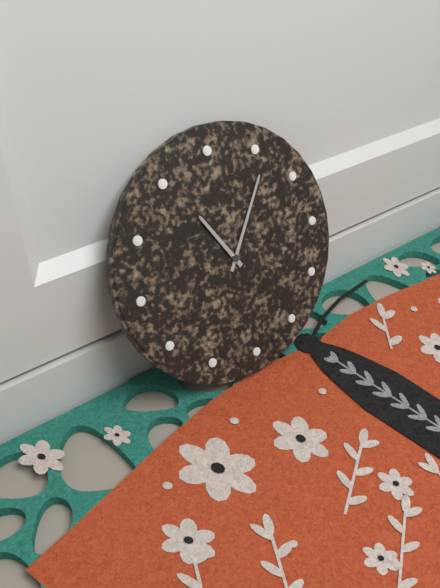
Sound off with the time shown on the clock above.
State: 11:06
